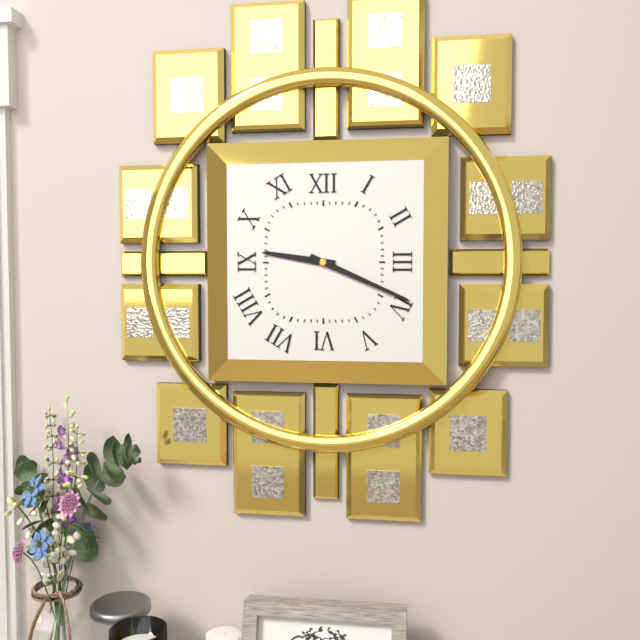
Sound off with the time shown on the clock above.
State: 9:19
